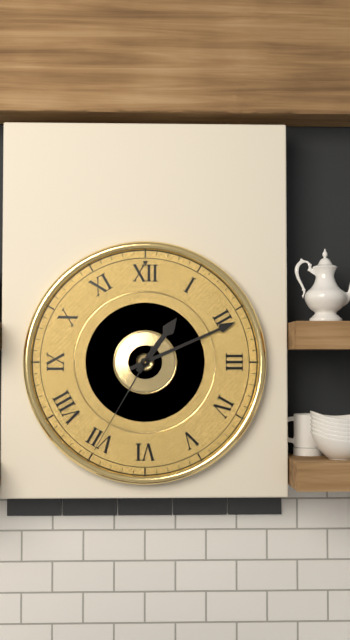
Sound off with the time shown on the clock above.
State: 1:11:35
